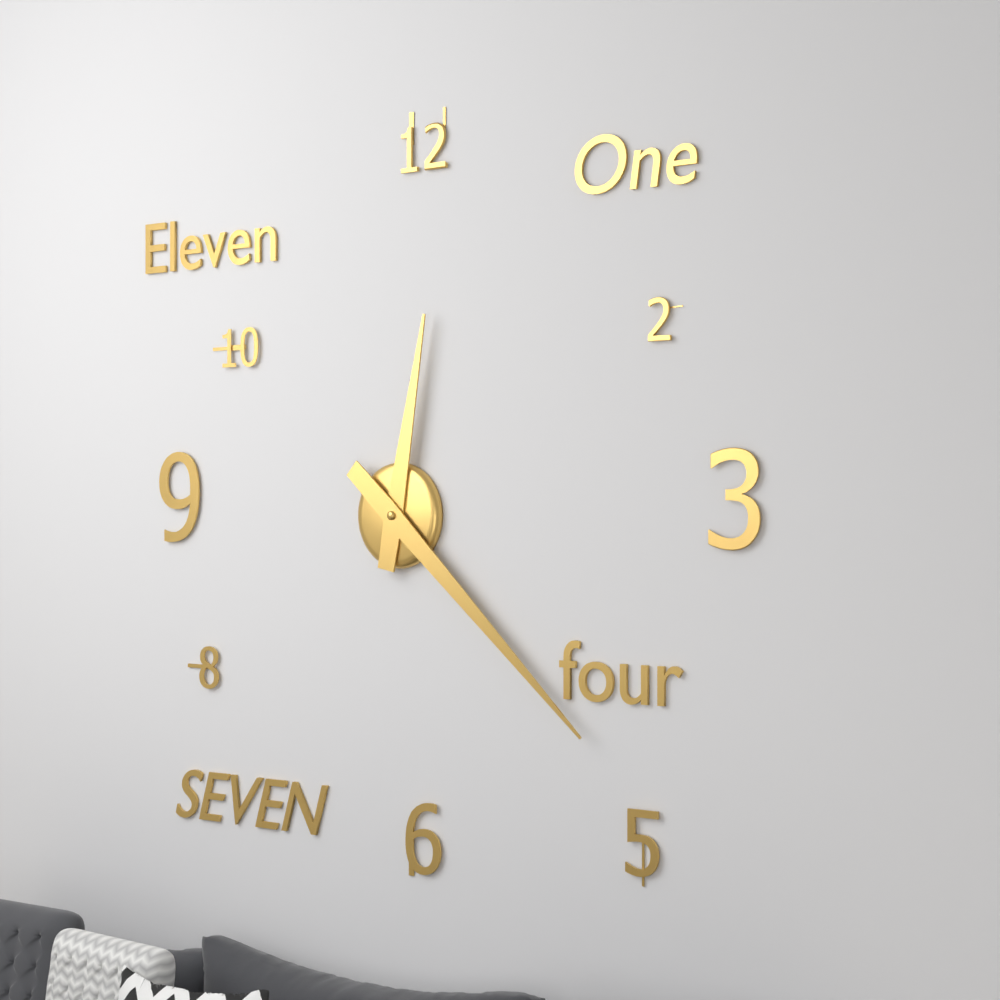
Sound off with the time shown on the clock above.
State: 12:22
